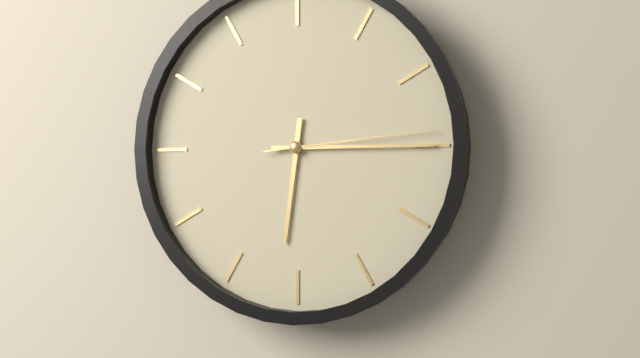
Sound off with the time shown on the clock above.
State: 6:15:14
